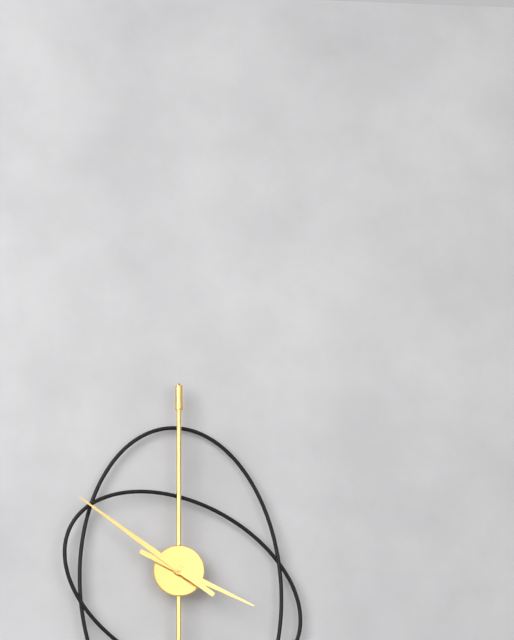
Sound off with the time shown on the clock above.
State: 3:51
